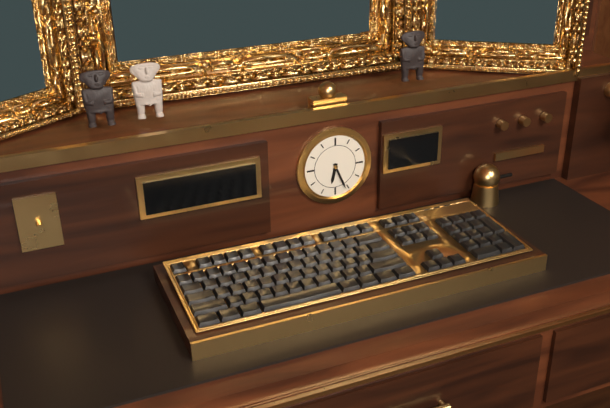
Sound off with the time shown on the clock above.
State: 6:26
